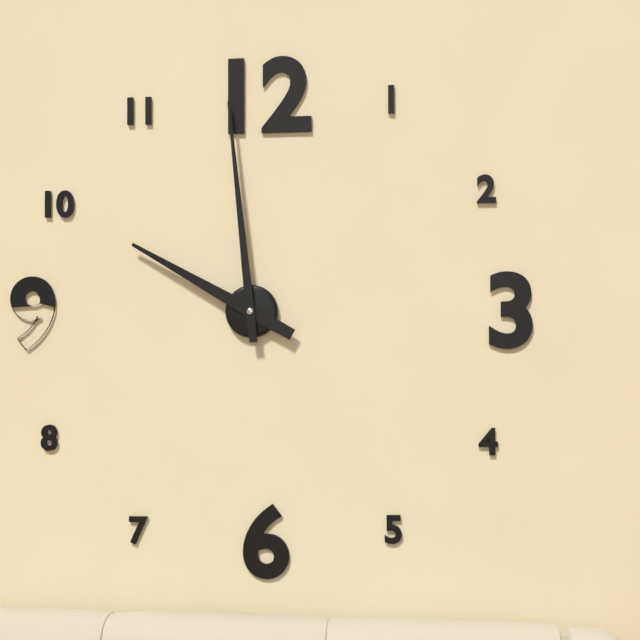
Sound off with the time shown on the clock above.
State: 9:59
